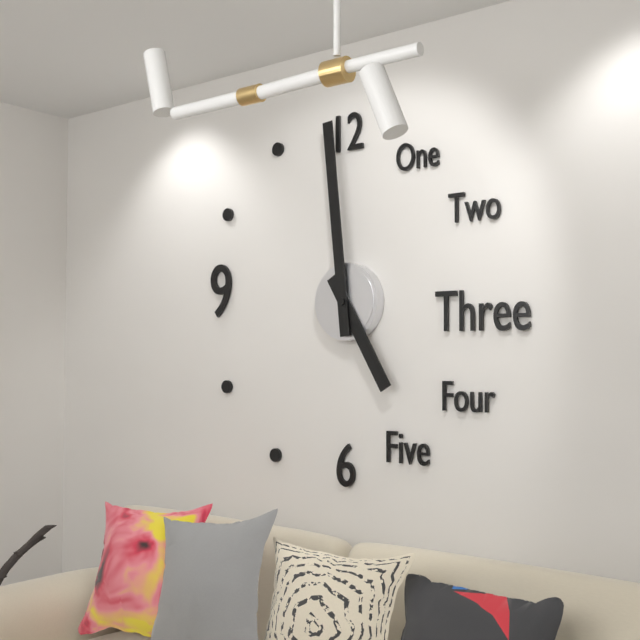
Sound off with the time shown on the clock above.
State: 4:59
